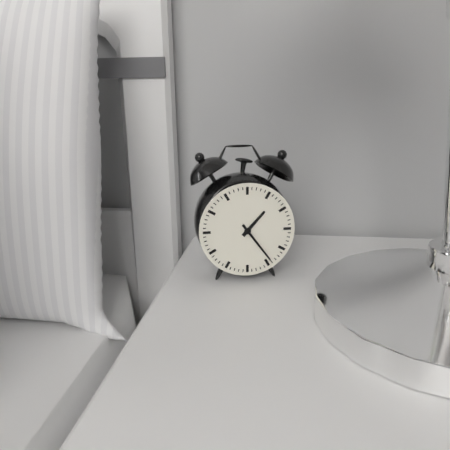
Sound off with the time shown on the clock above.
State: 1:24
